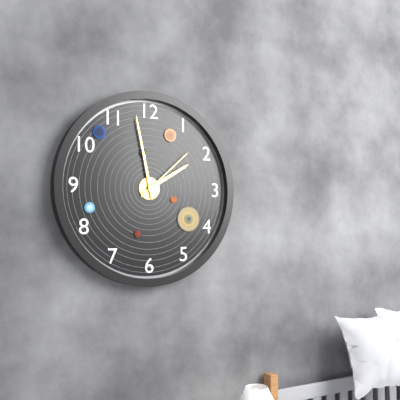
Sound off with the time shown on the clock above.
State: 1:58:08
